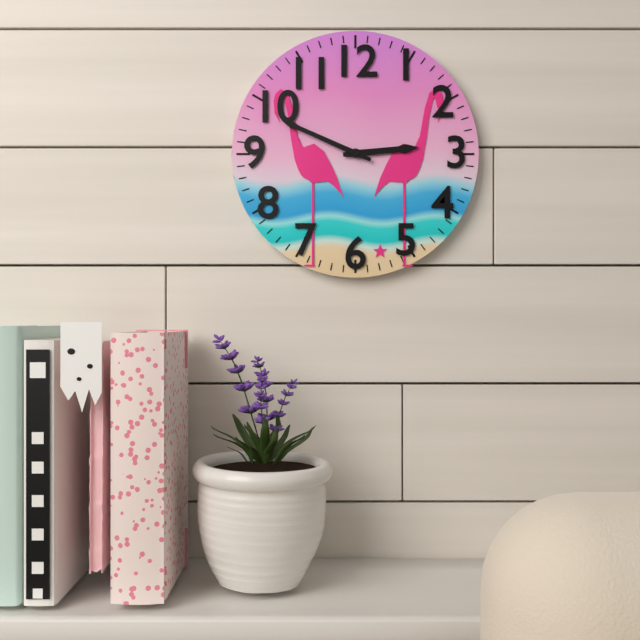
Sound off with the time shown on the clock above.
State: 2:49
